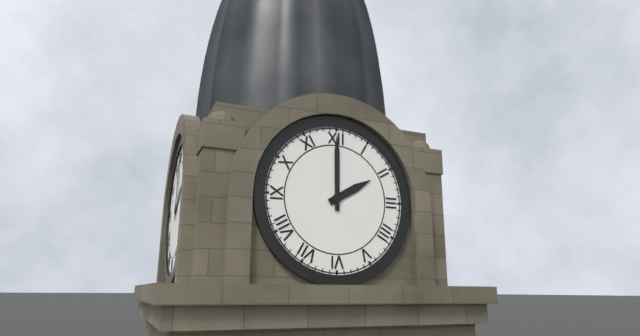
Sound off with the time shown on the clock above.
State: 2:00
